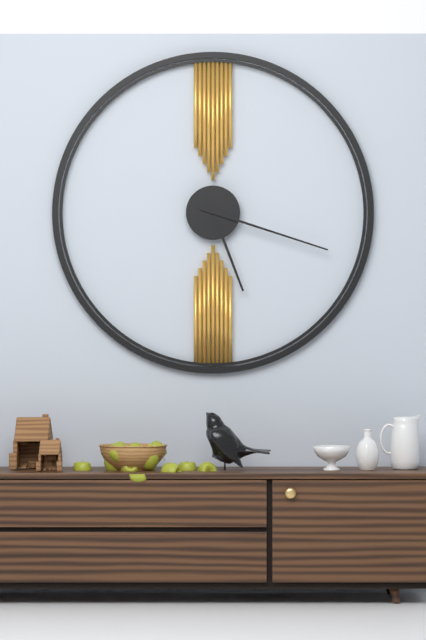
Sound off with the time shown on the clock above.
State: 5:18
